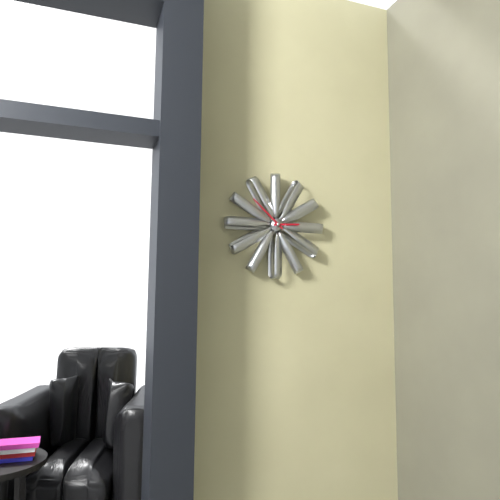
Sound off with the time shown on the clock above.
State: 2:52
